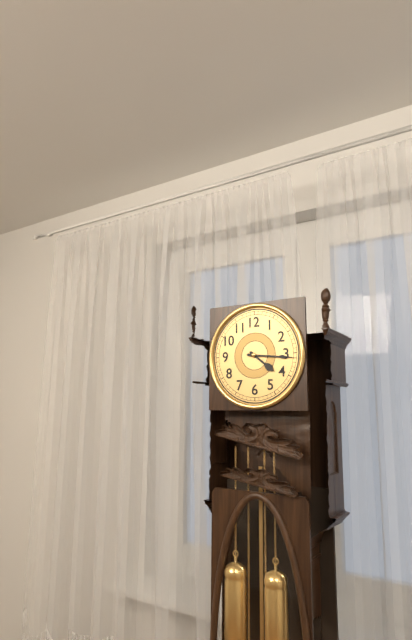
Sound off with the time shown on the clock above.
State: 4:16
